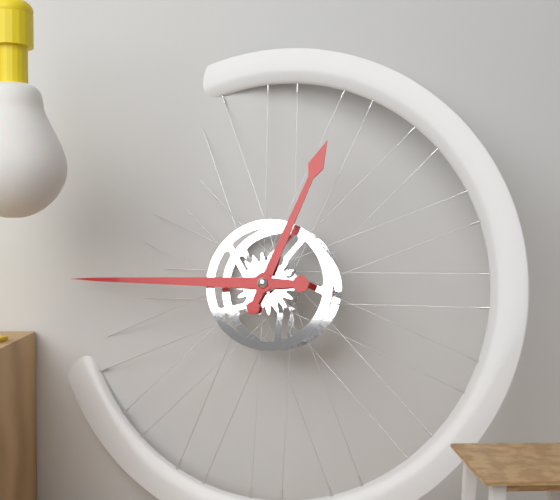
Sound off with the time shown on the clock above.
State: 12:45
